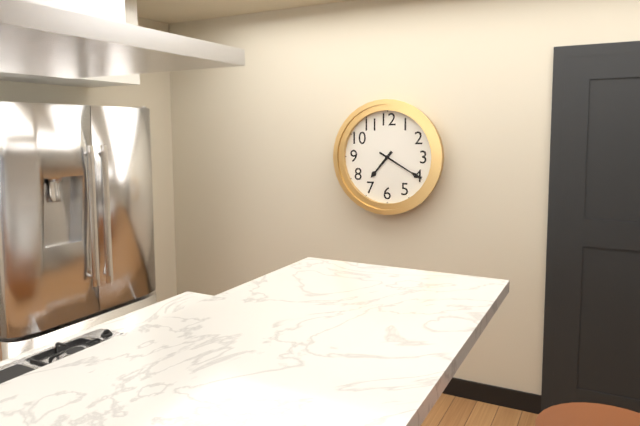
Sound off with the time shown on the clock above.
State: 7:20
